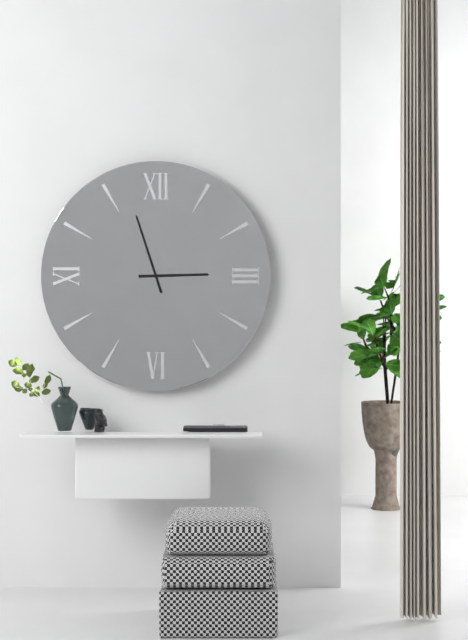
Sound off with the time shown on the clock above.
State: 2:57
